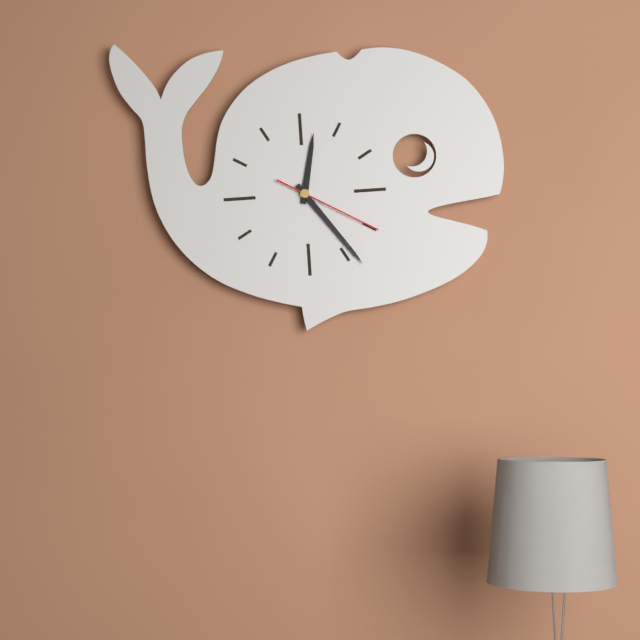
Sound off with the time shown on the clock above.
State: 12:24:20
